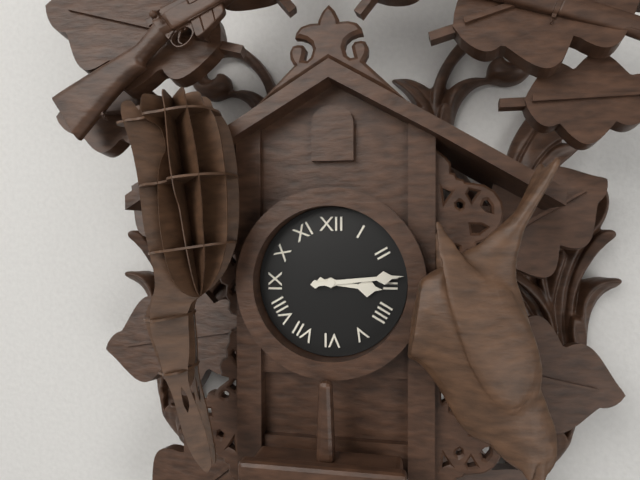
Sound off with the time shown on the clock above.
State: 3:14
